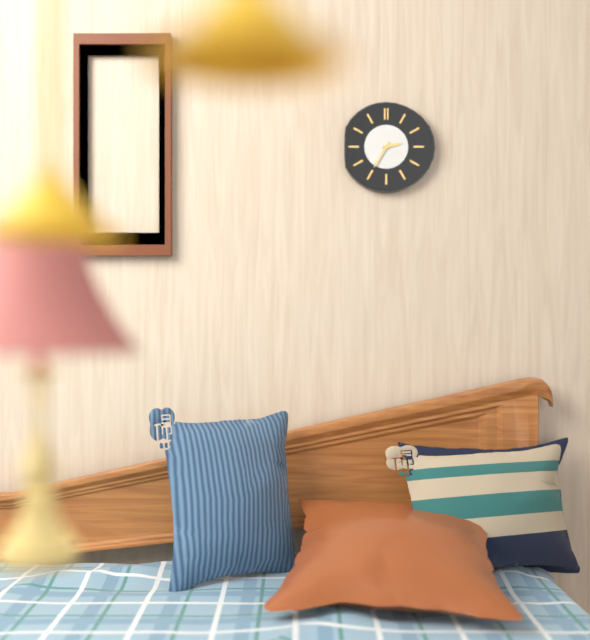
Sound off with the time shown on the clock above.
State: 2:35
